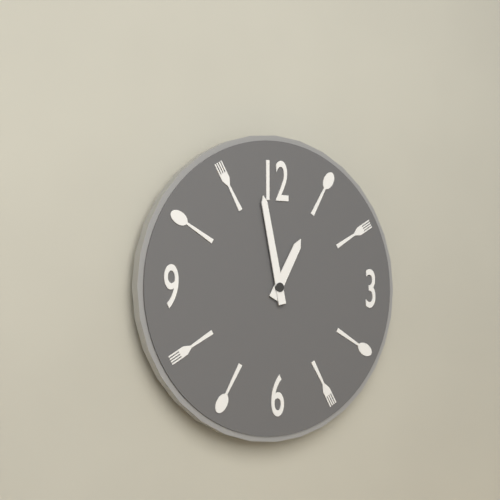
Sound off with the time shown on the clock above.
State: 12:58
